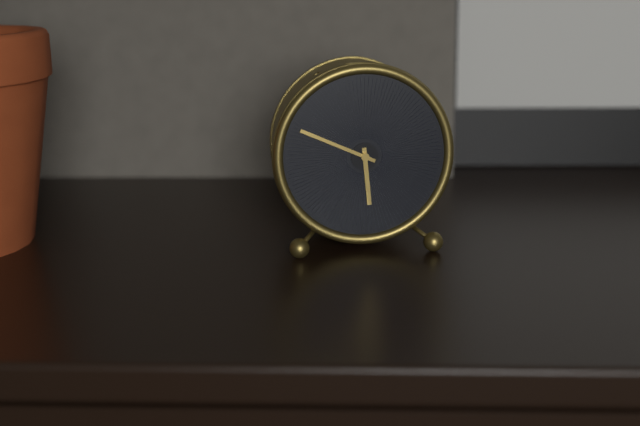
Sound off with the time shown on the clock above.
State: 5:49
